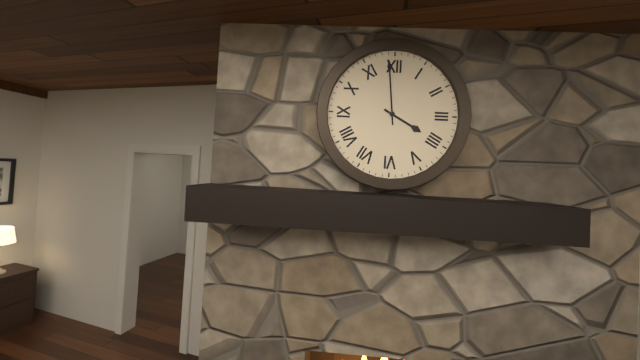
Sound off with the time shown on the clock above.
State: 3:59
